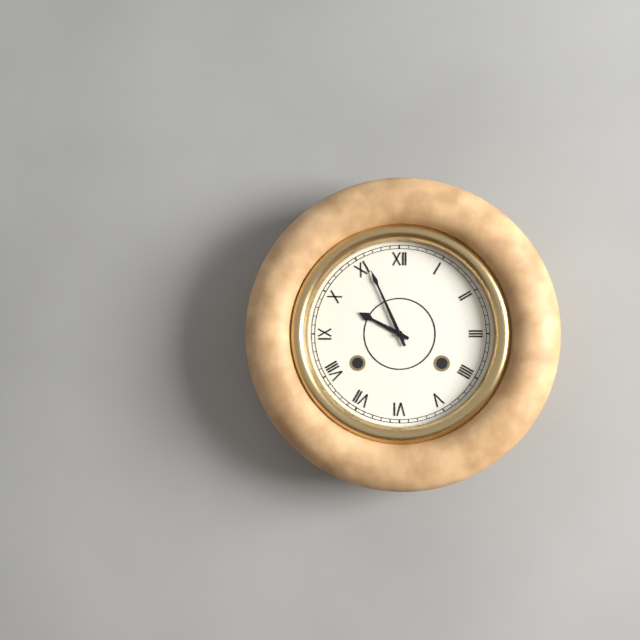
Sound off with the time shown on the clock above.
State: 9:56
